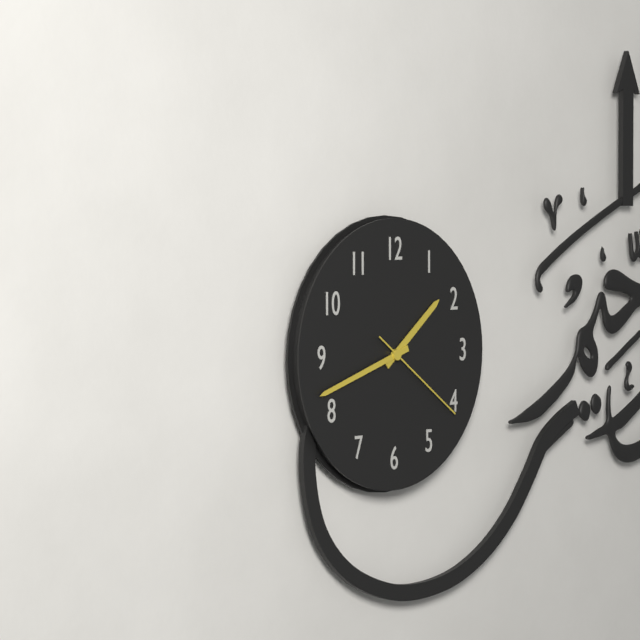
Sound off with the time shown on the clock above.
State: 1:42:21
